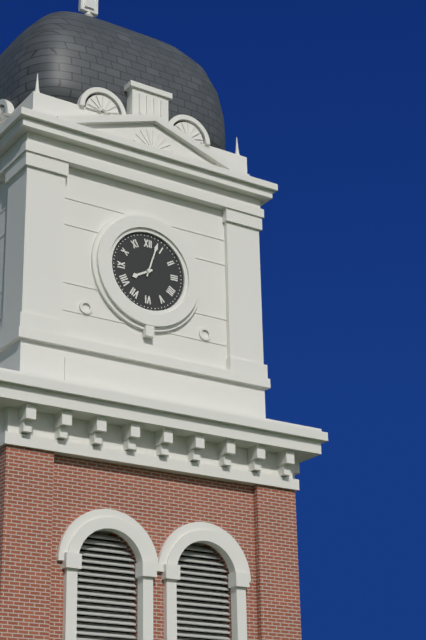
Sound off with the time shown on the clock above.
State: 8:03
